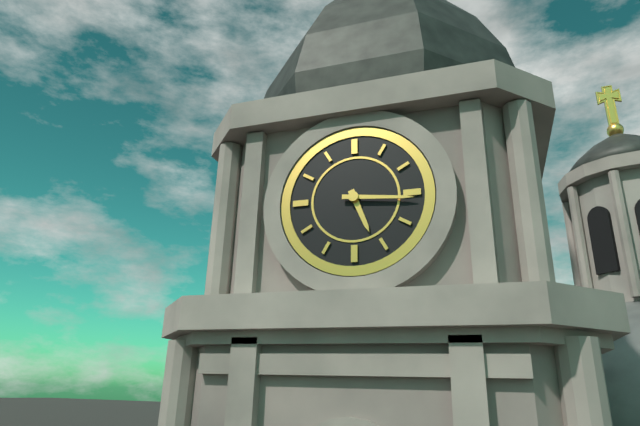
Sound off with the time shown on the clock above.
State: 5:16
